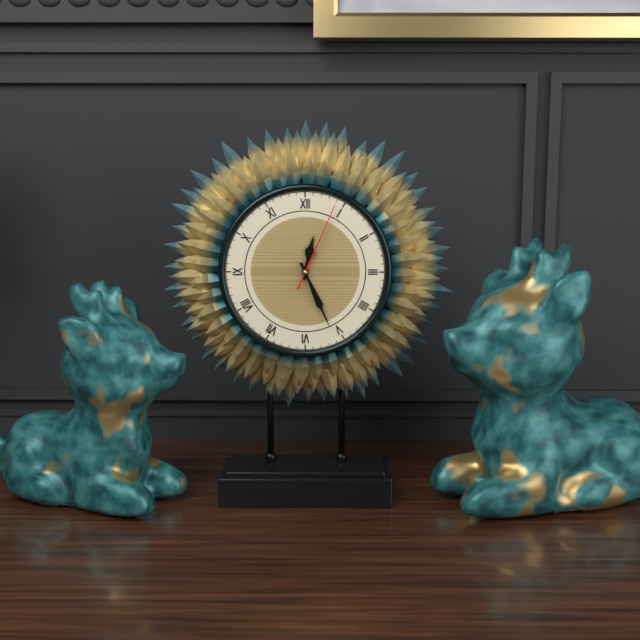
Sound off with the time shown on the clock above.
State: 12:26:04
